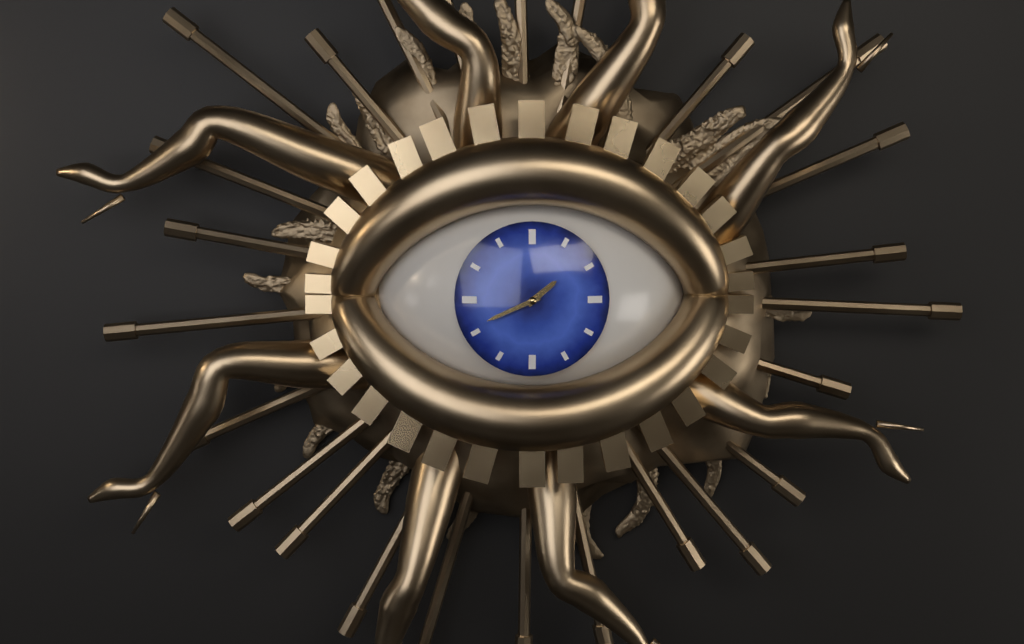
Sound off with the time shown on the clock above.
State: 1:41
